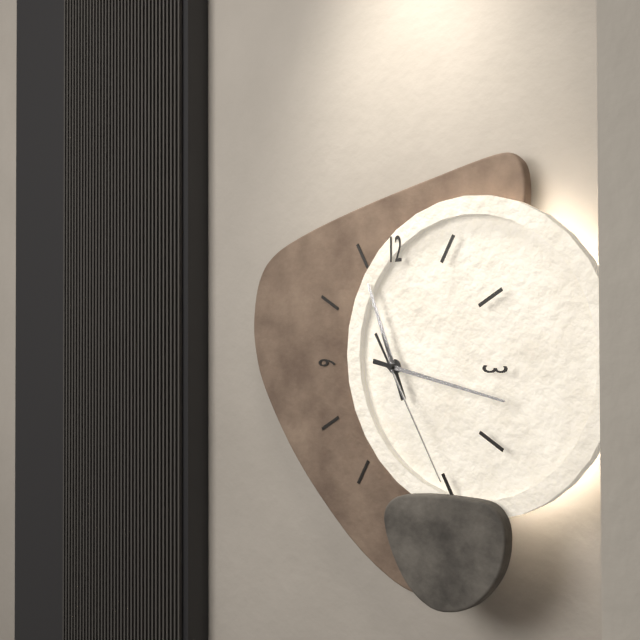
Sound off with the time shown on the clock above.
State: 11:17:25
